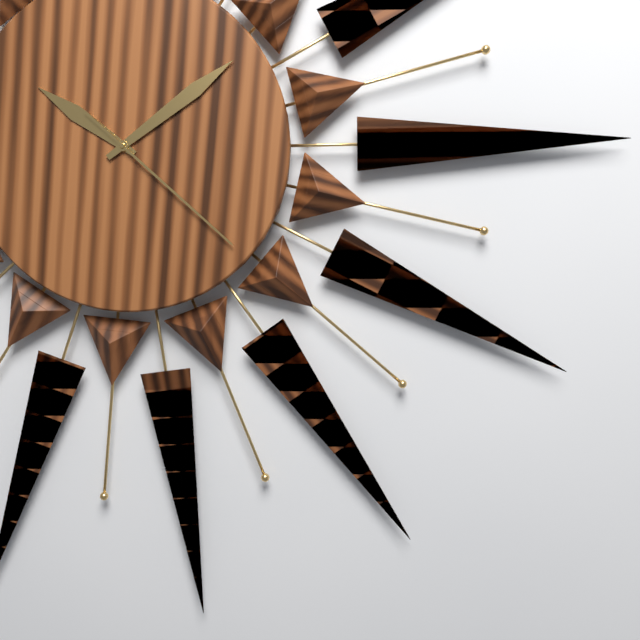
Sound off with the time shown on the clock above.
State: 10:09:22
